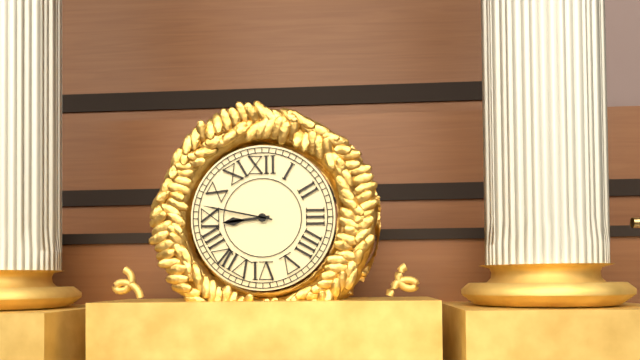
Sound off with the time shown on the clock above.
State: 8:47
